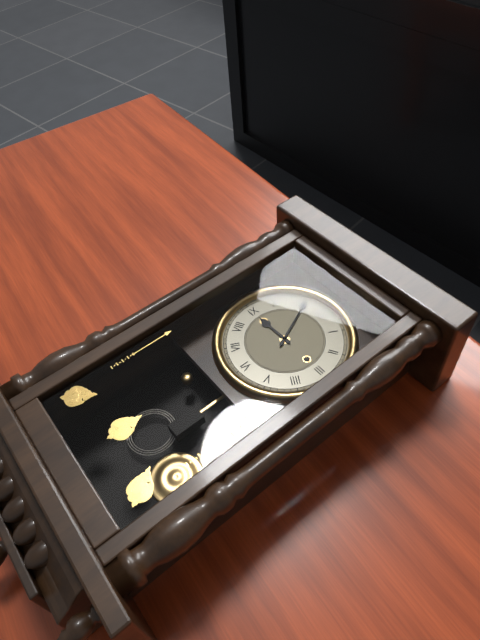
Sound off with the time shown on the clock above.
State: 8:56
